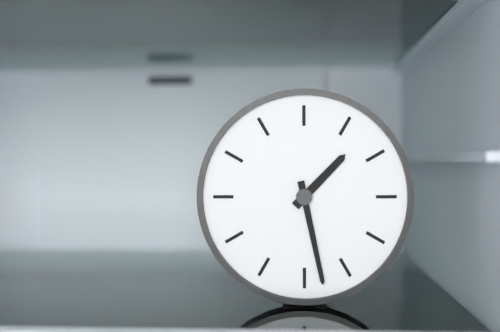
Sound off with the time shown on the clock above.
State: 1:28
